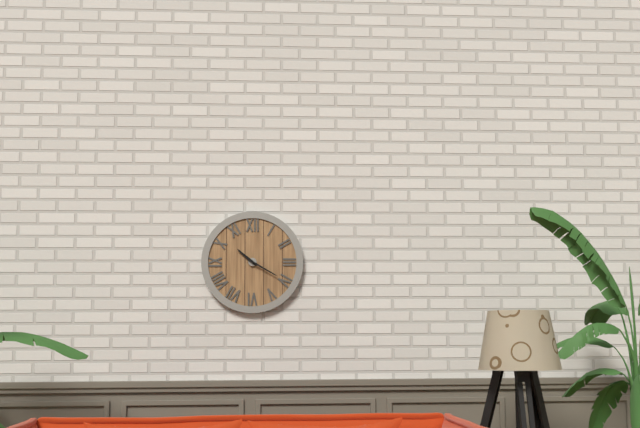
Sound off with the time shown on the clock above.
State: 10:20
